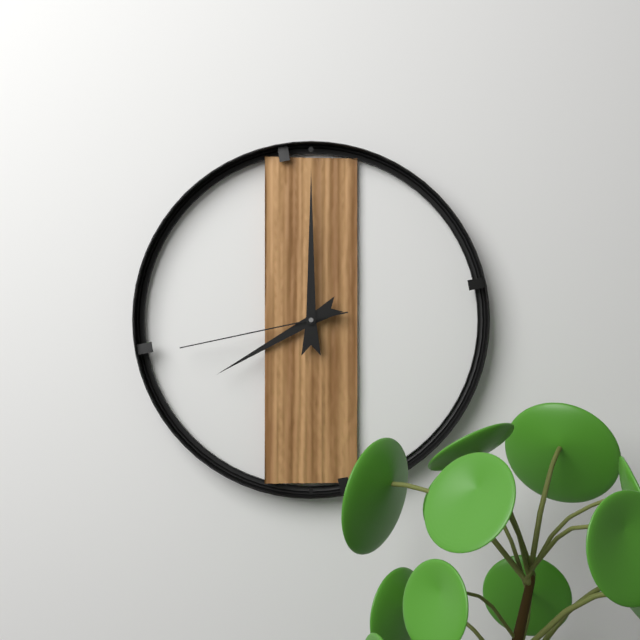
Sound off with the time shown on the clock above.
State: 8:00:43
